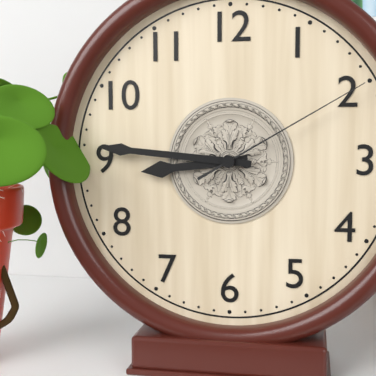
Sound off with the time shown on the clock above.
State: 8:46:10
